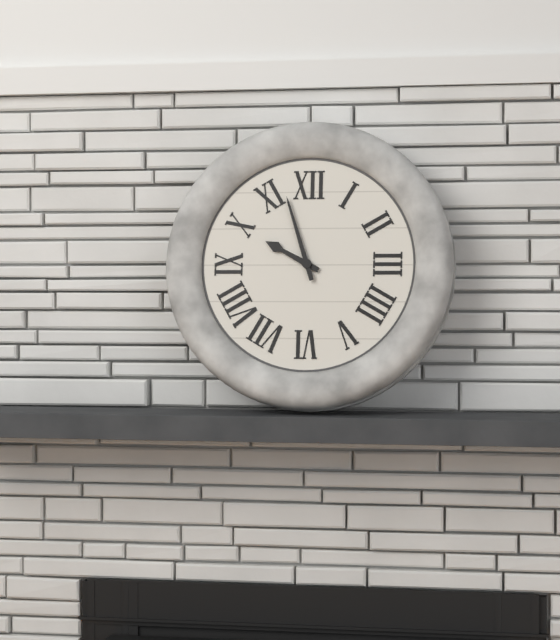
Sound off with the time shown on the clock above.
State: 9:57
